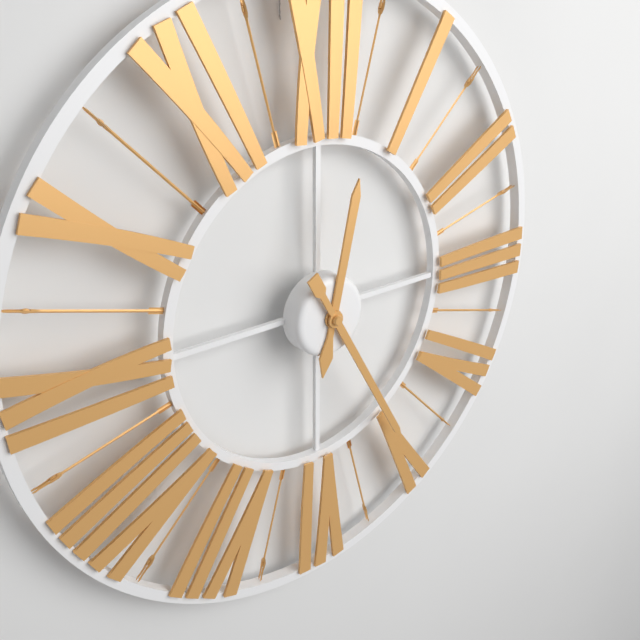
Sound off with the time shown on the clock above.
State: 12:25
